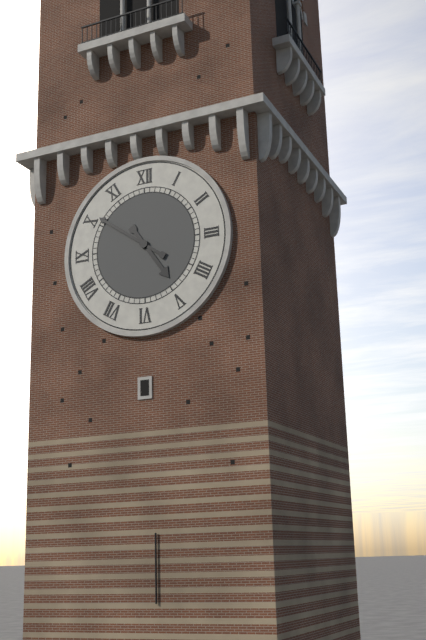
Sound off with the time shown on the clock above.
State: 4:51
